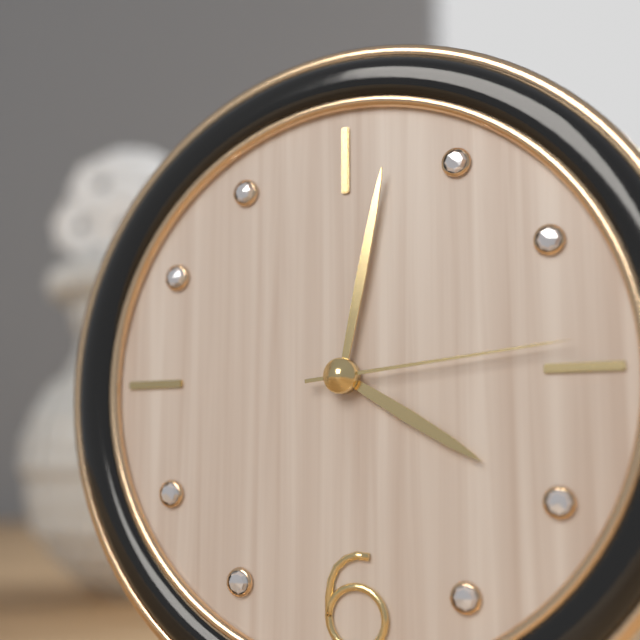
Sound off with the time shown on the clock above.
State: 4:02:14
